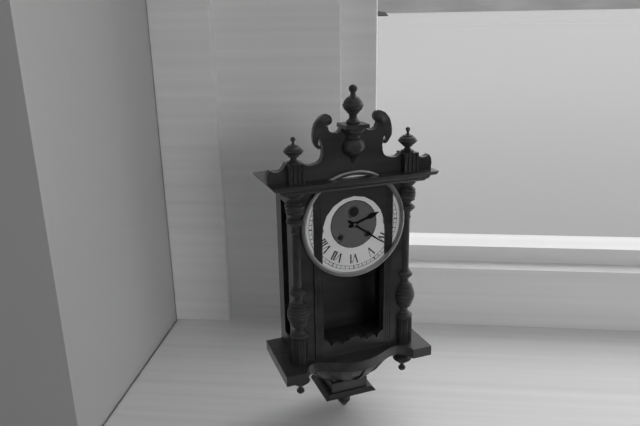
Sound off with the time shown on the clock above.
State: 2:21
